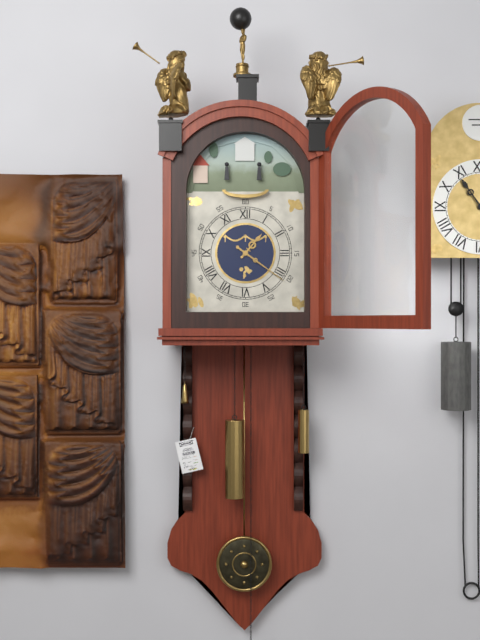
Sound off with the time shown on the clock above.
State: 1:21
